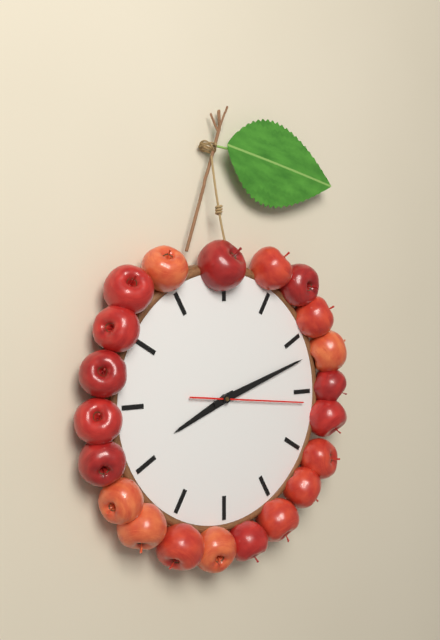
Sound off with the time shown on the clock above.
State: 8:12:16
